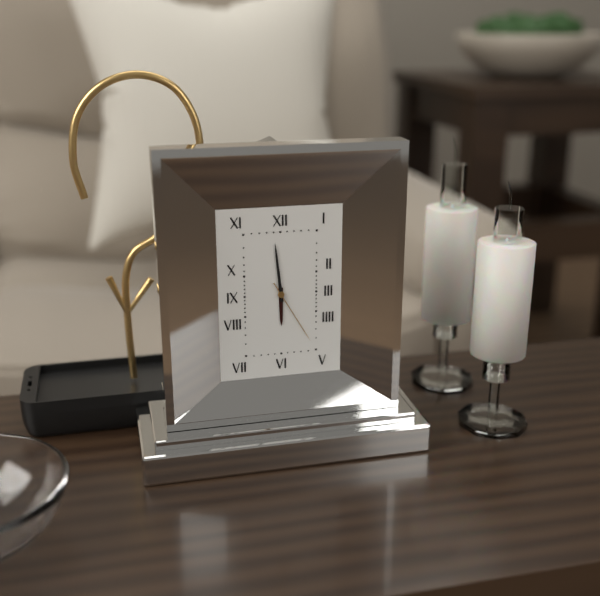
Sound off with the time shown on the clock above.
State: 5:59:25
